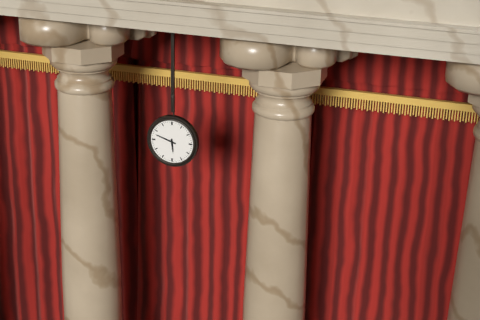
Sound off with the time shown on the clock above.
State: 5:48
